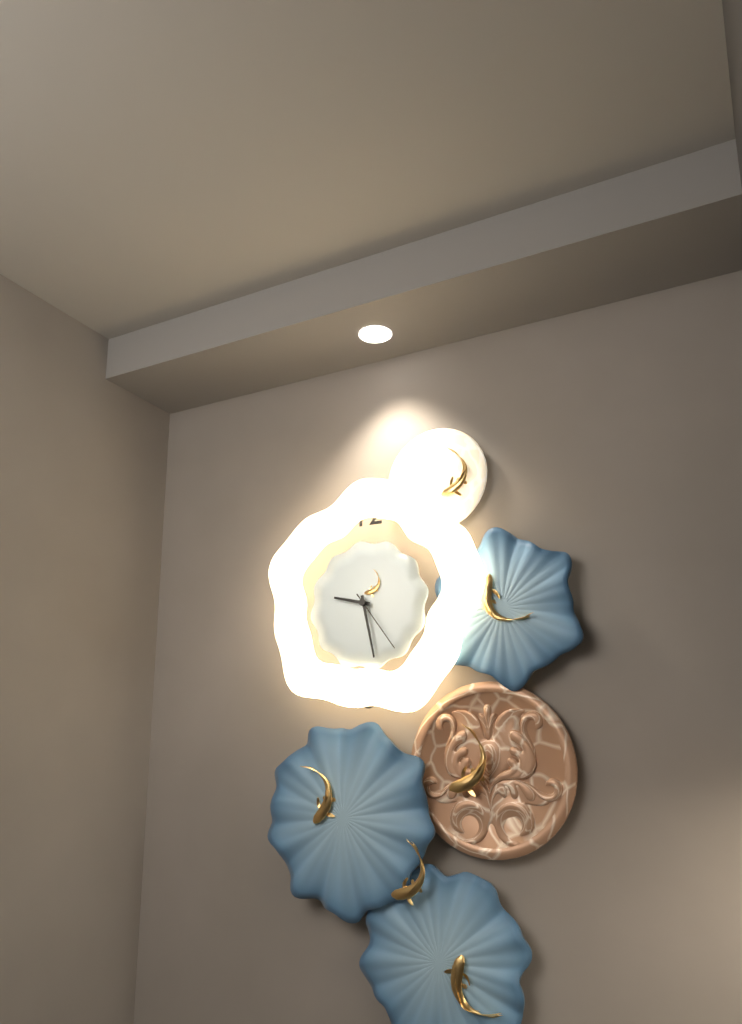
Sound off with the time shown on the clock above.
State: 9:28:24
